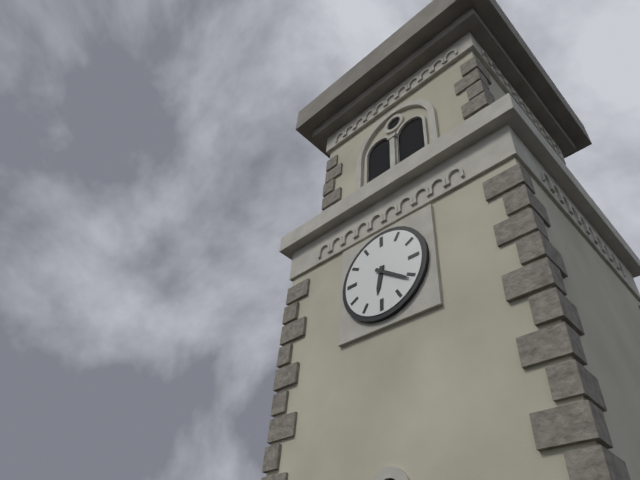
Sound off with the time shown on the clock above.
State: 6:21
